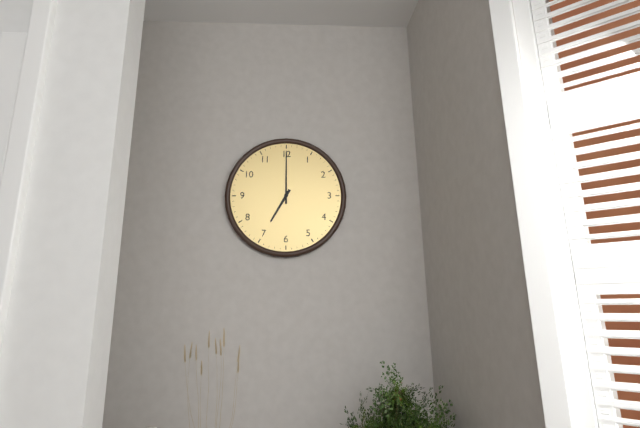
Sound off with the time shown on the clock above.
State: 7:00
